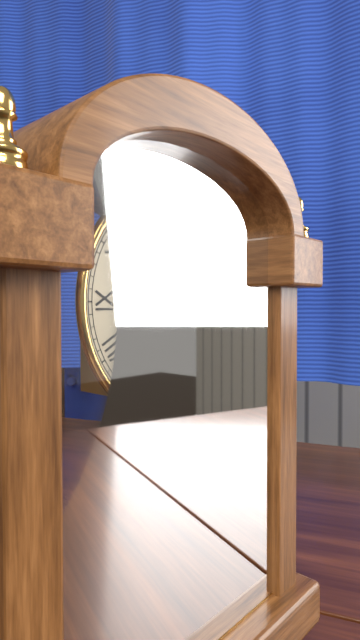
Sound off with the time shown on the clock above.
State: 4:29
